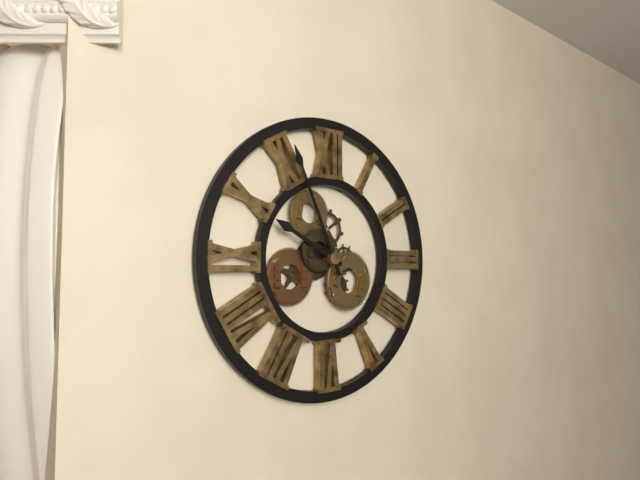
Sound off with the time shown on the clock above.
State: 9:56
